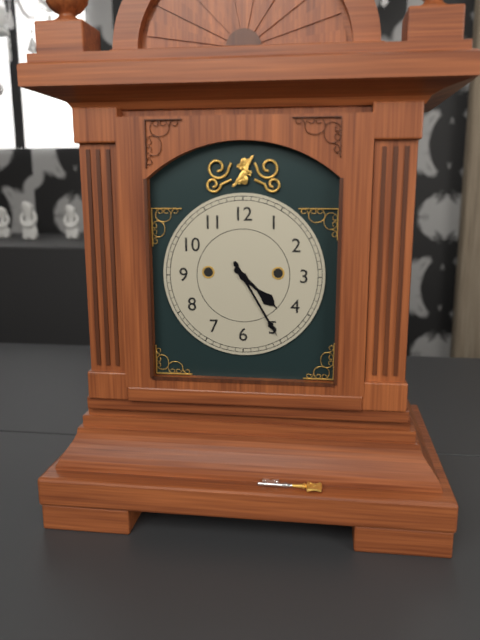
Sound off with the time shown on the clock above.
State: 4:25
